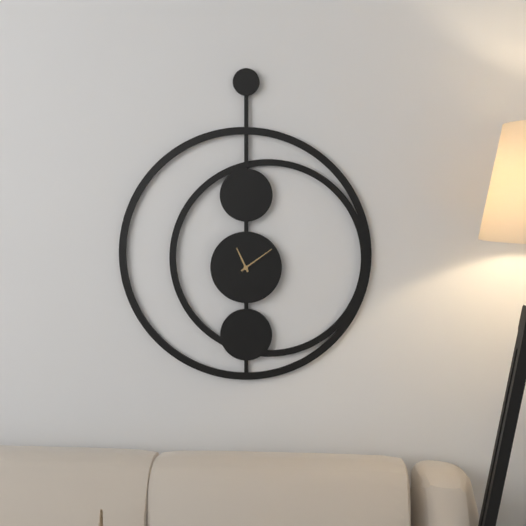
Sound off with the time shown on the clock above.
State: 11:09
